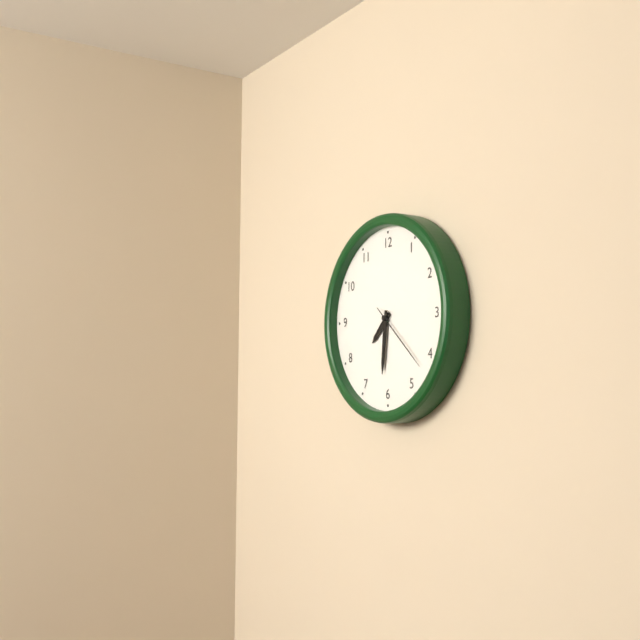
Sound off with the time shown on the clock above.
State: 7:31:22
